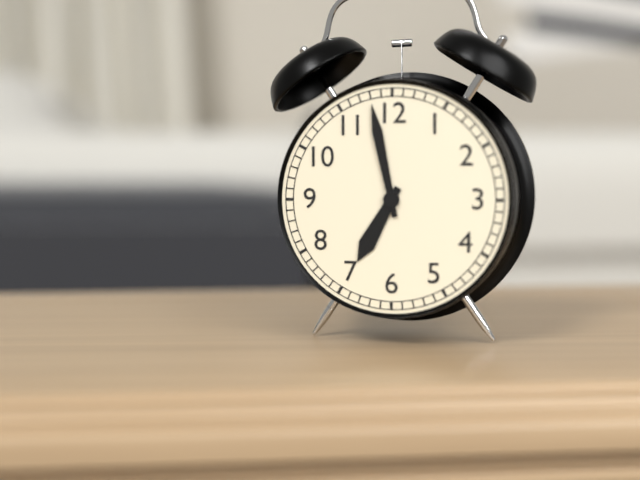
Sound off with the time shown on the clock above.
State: 6:58
